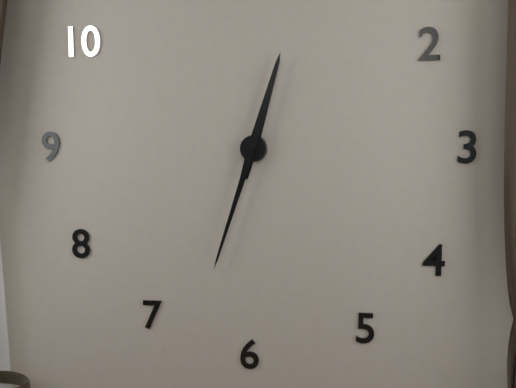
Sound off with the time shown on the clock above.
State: 12:33
